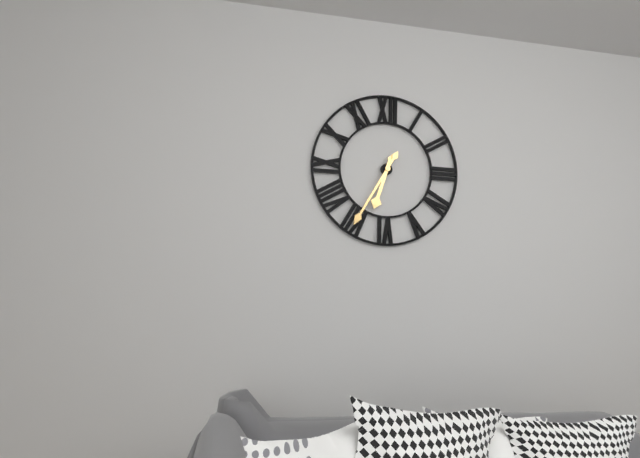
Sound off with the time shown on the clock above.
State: 6:35
